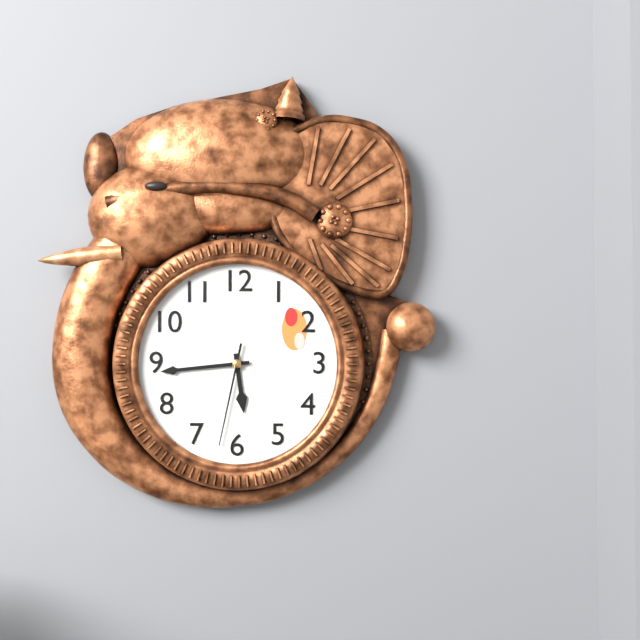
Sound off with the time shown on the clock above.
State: 5:44:32
